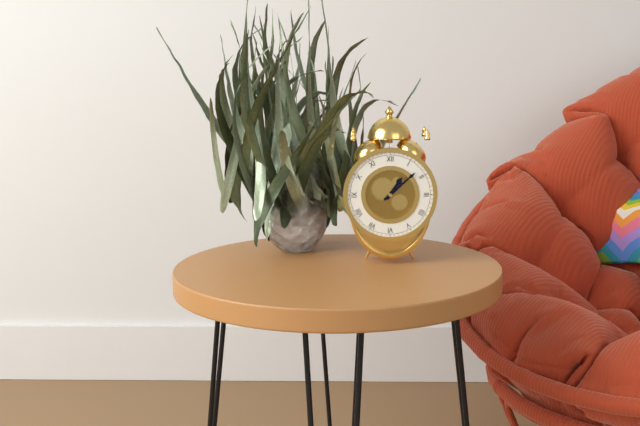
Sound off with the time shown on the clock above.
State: 1:08
